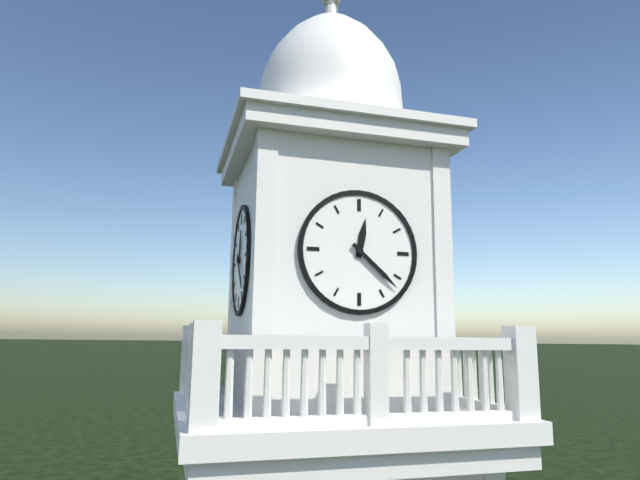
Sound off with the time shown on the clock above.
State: 12:22
